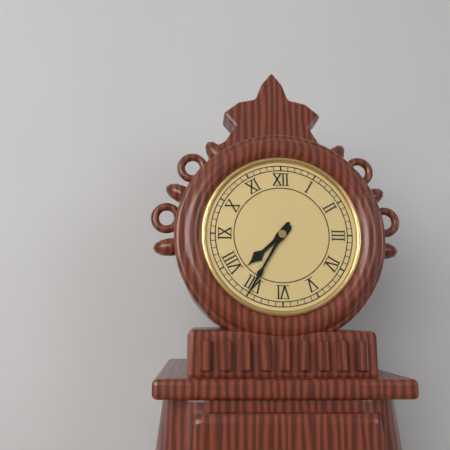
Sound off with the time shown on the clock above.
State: 7:35
